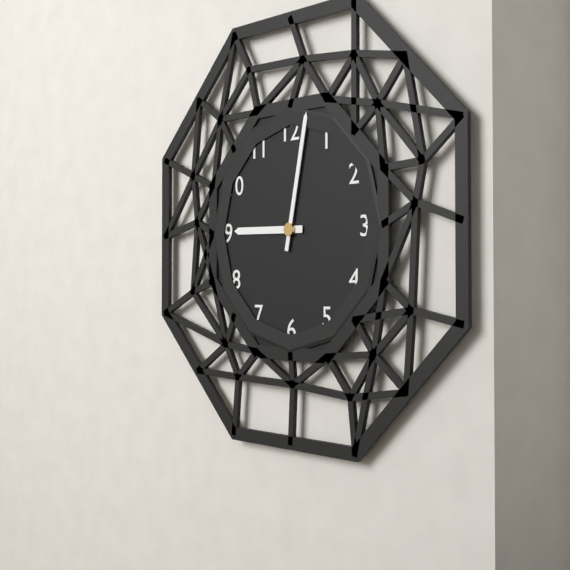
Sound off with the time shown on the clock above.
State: 9:02
